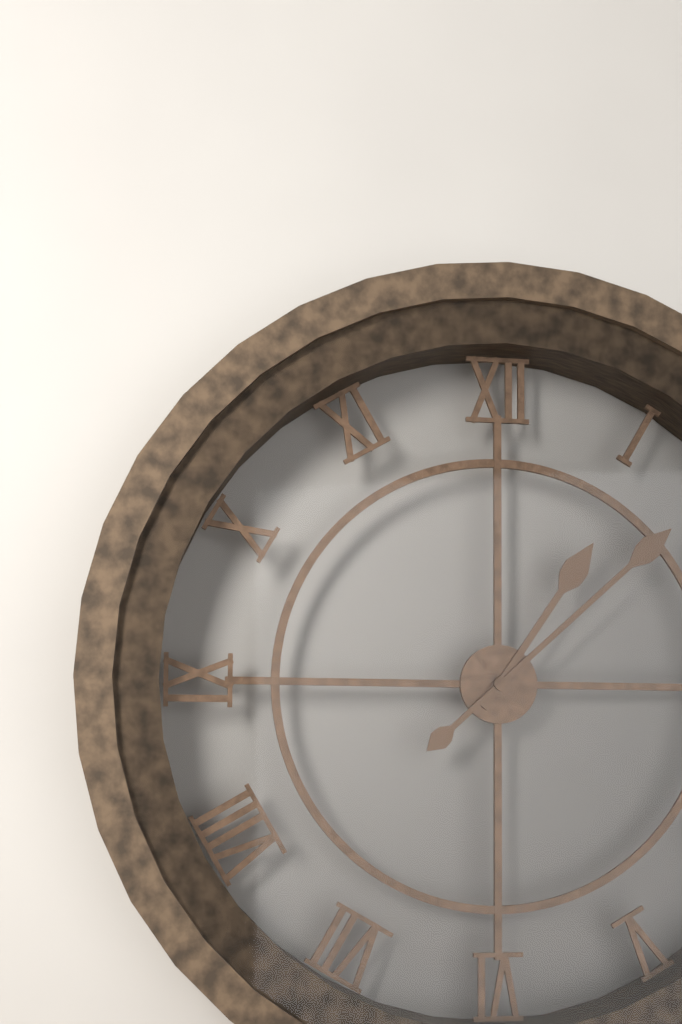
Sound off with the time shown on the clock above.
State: 1:08
